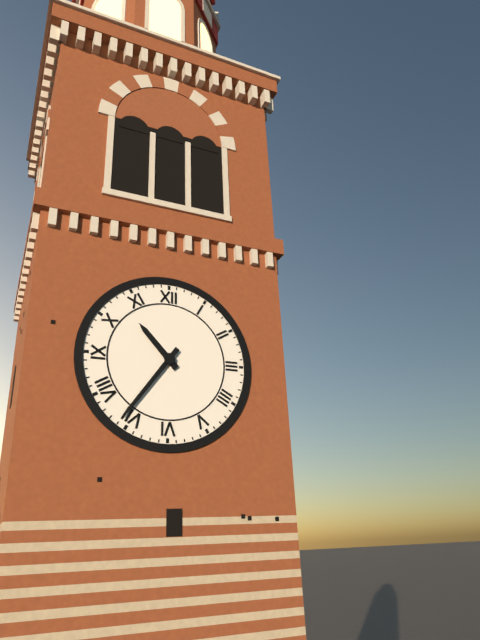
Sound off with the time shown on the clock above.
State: 10:36
